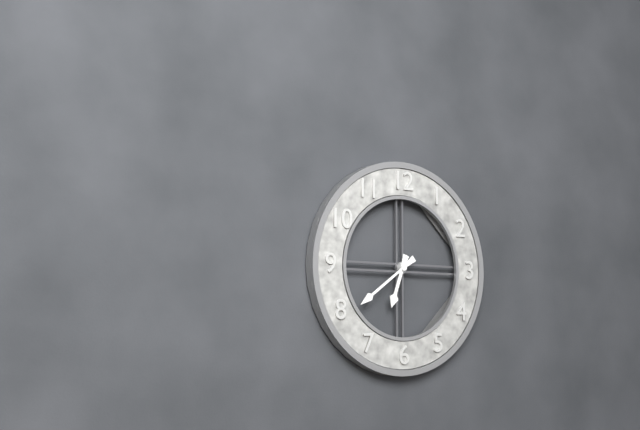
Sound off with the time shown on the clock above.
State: 6:39
